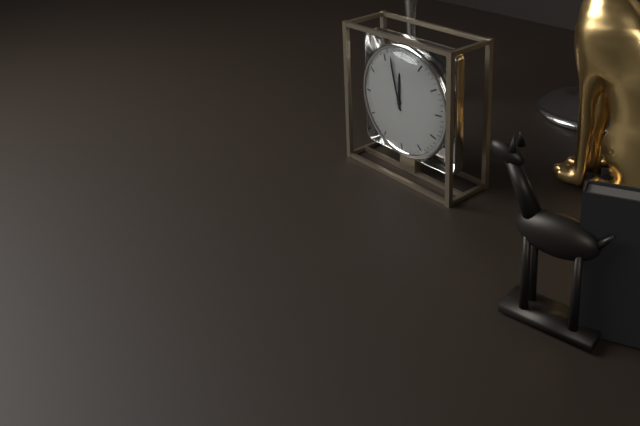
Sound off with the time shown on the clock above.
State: 11:57
